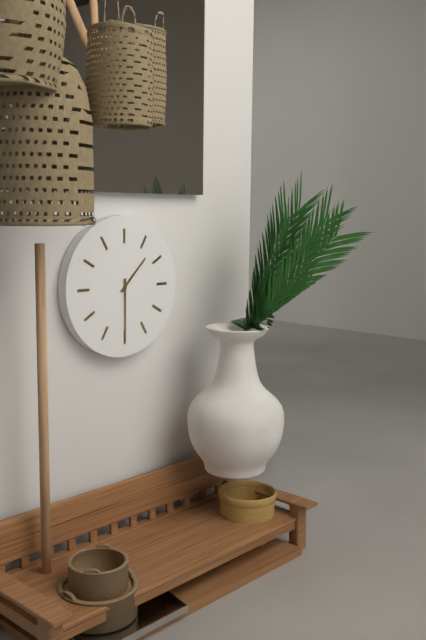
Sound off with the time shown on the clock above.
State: 1:30
